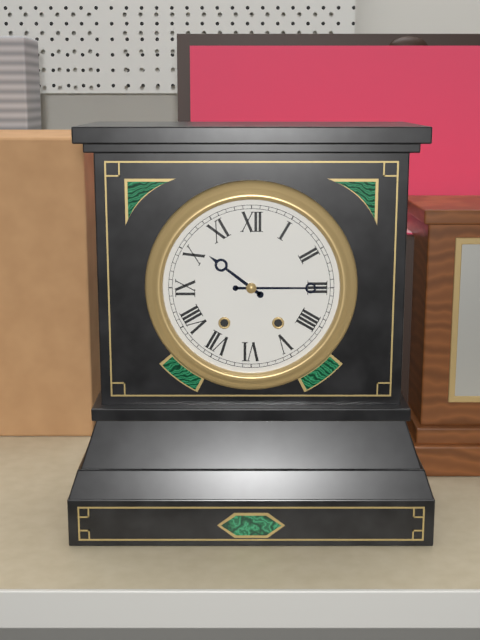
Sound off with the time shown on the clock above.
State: 10:15
